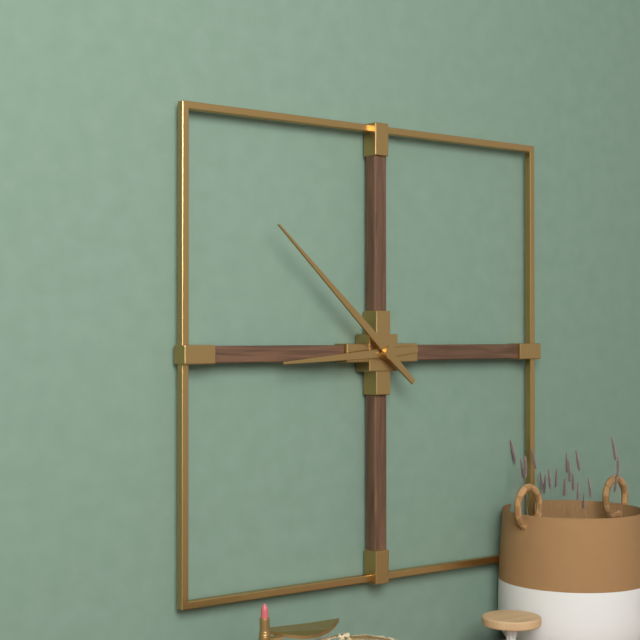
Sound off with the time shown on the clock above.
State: 8:52
